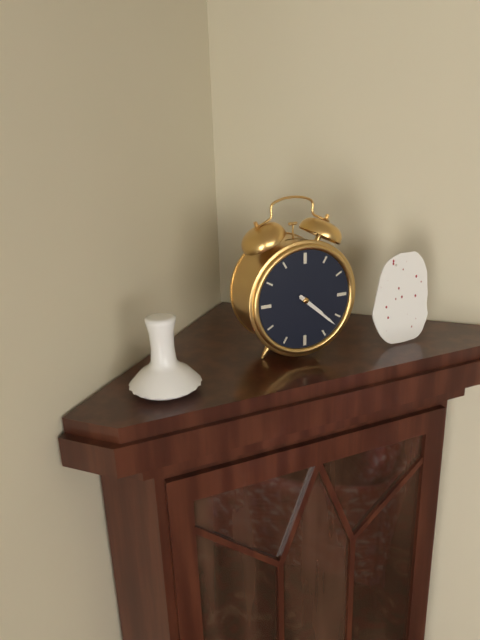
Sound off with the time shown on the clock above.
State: 4:22
